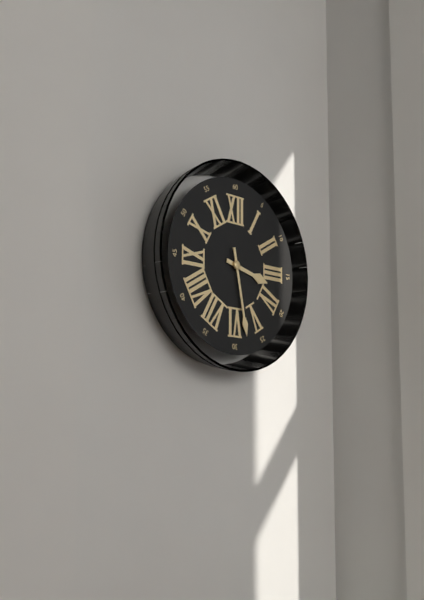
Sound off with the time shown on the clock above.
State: 3:28
